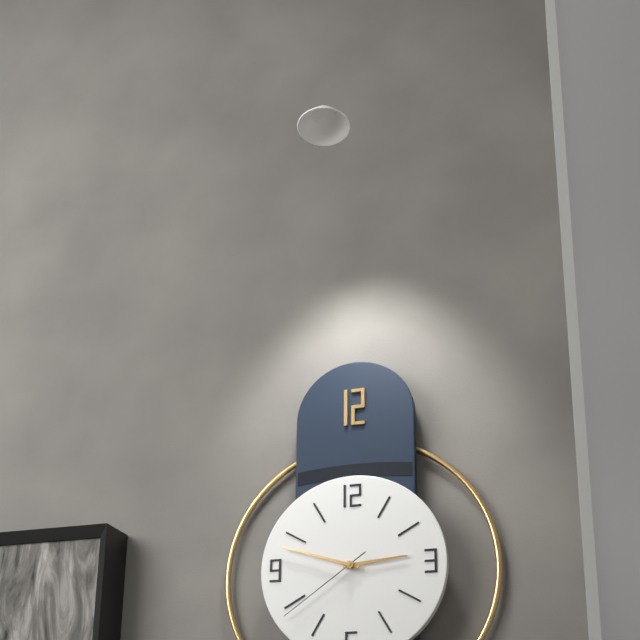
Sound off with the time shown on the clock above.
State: 2:48:39
